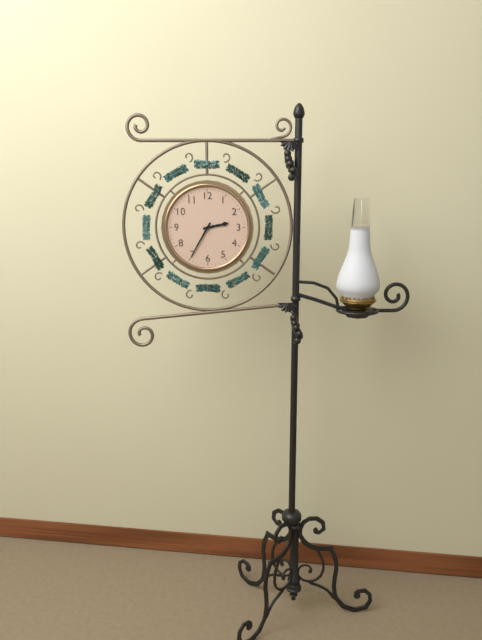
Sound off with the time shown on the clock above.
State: 2:35
